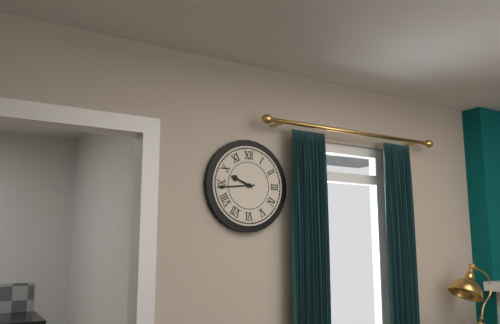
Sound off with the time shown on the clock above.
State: 9:44
